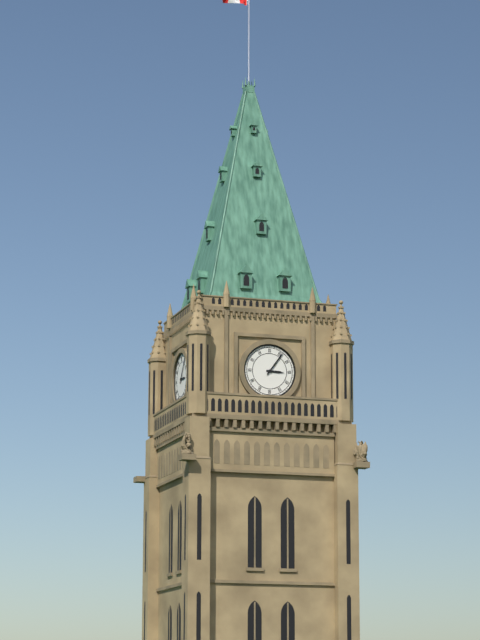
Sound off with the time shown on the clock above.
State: 3:06
